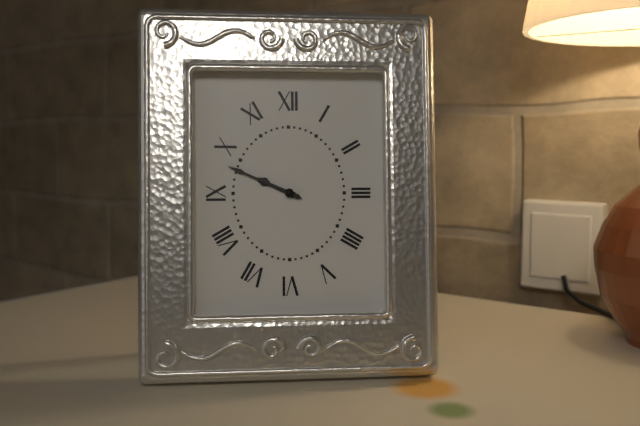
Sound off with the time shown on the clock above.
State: 9:49
